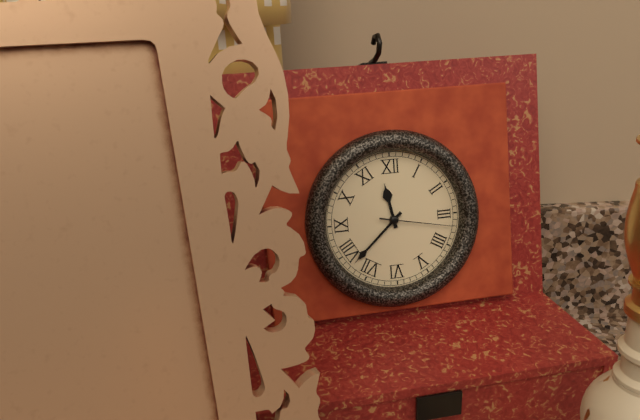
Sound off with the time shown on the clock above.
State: 11:38:17
